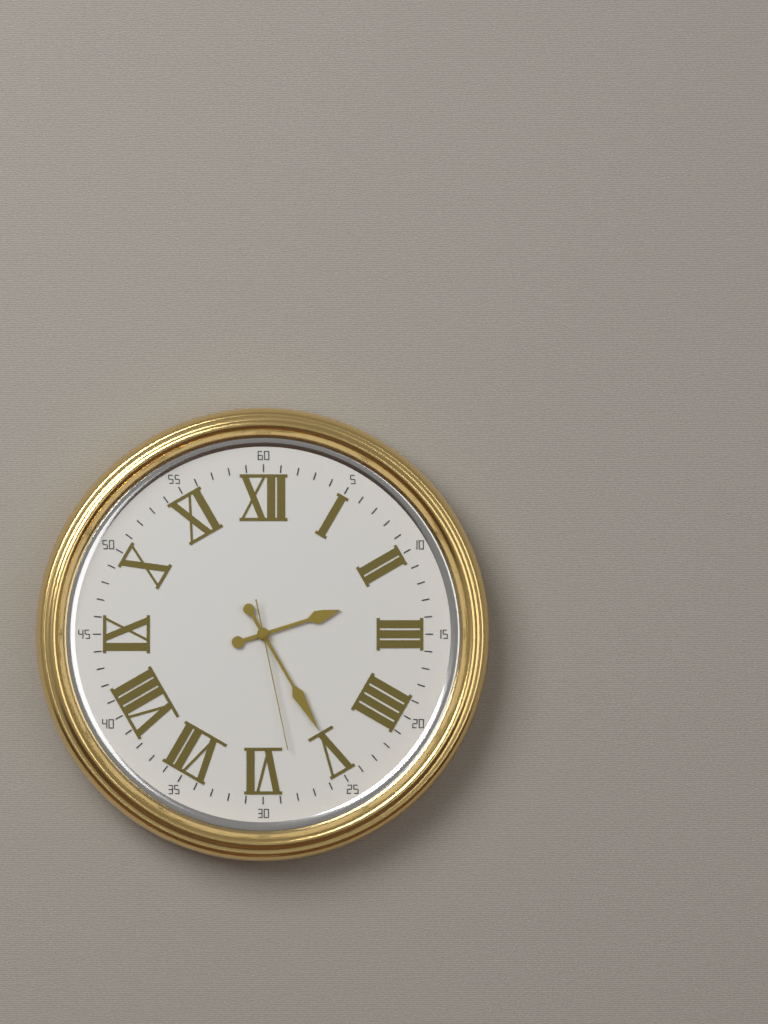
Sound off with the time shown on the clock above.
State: 2:25:28
